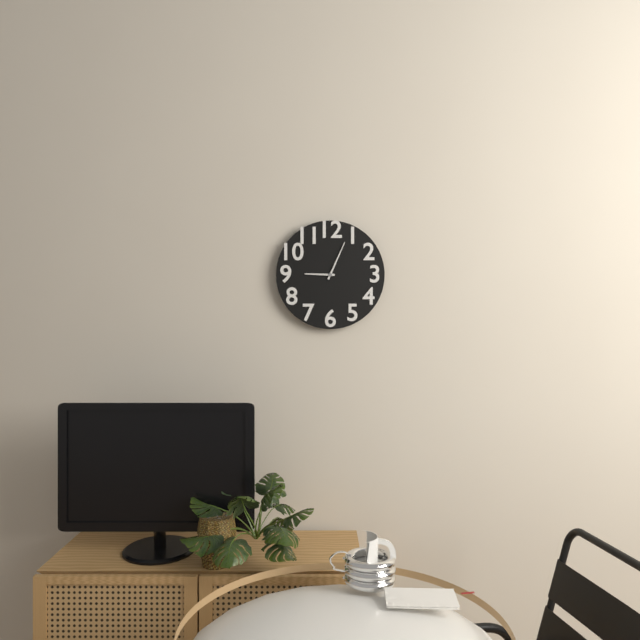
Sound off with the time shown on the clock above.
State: 9:04
